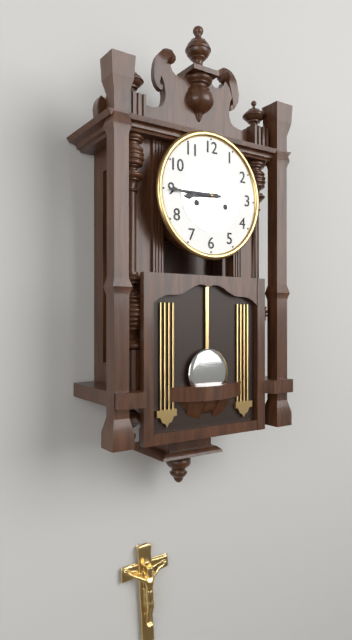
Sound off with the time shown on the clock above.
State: 8:45
